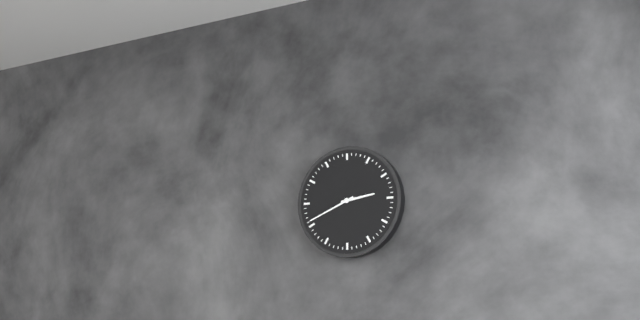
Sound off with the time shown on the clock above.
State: 2:41
